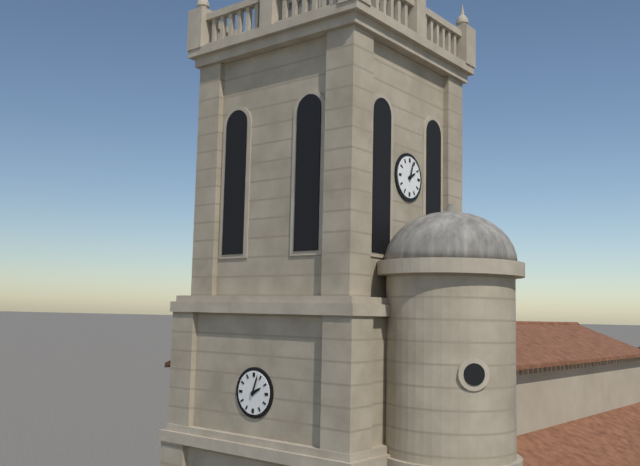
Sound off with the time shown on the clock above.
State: 2:03
